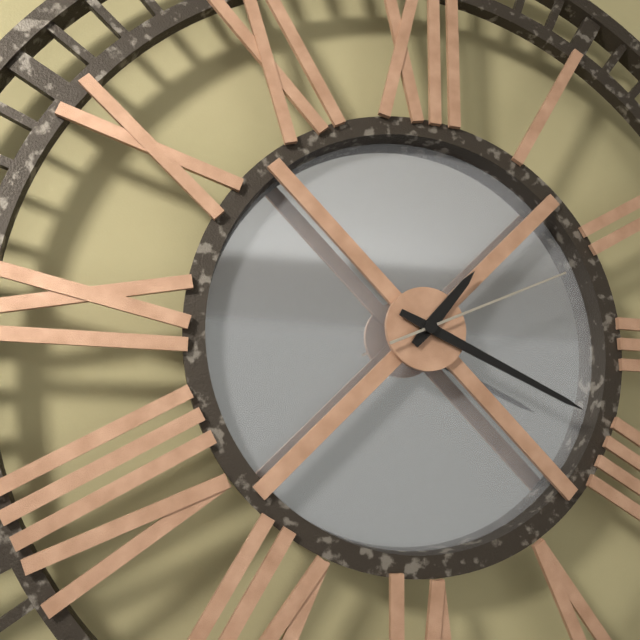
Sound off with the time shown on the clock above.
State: 1:19:11
